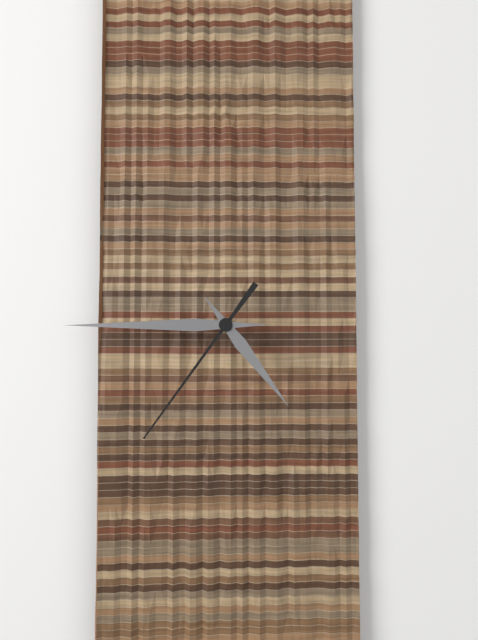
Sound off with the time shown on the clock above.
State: 4:45:36
